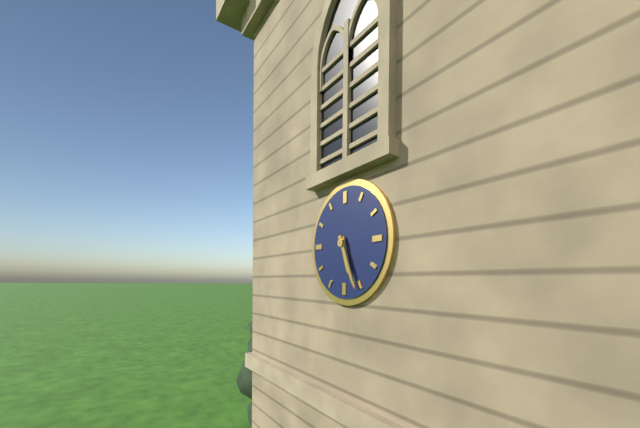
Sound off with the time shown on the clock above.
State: 5:26
